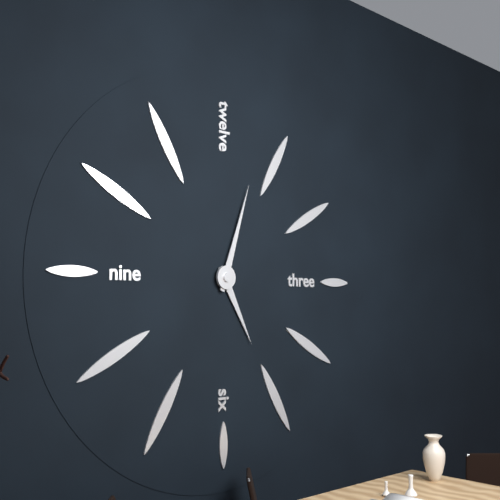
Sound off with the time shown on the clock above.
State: 5:03
